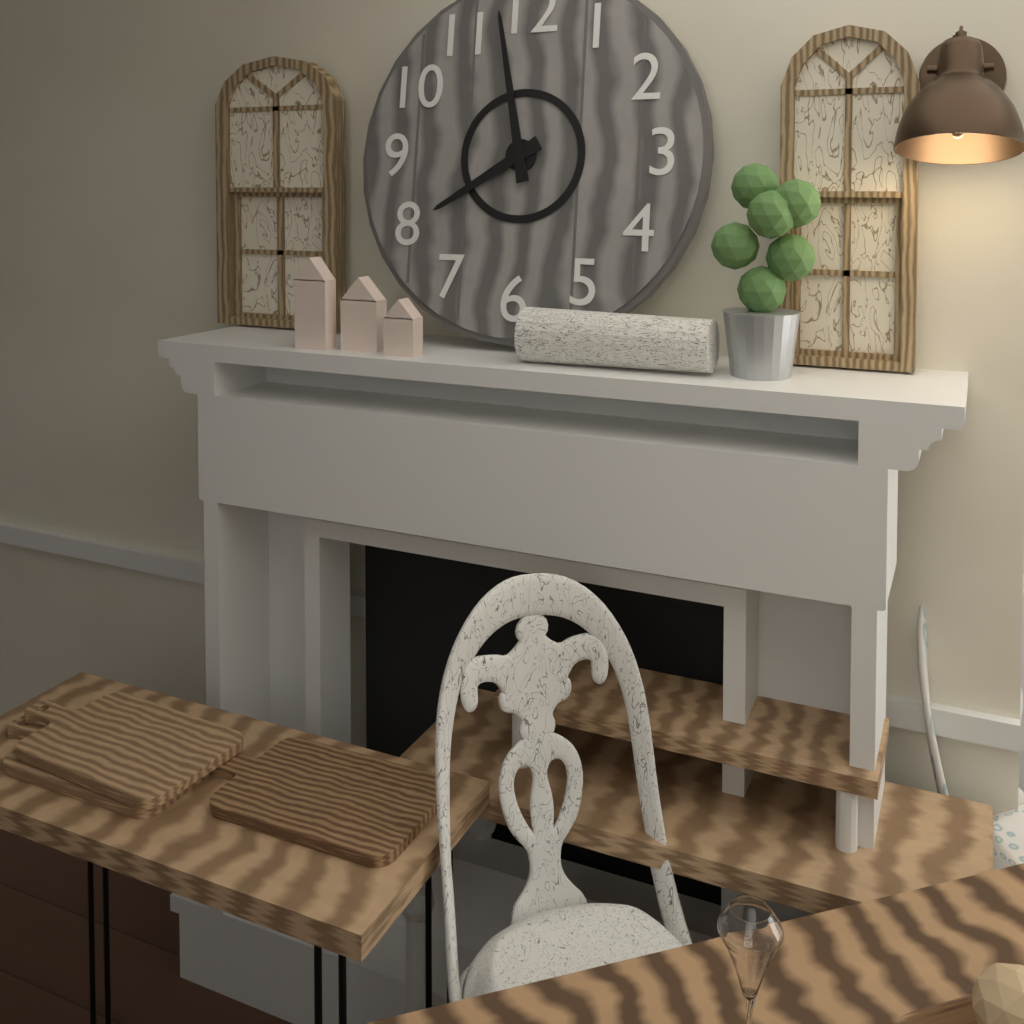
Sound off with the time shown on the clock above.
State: 7:58
